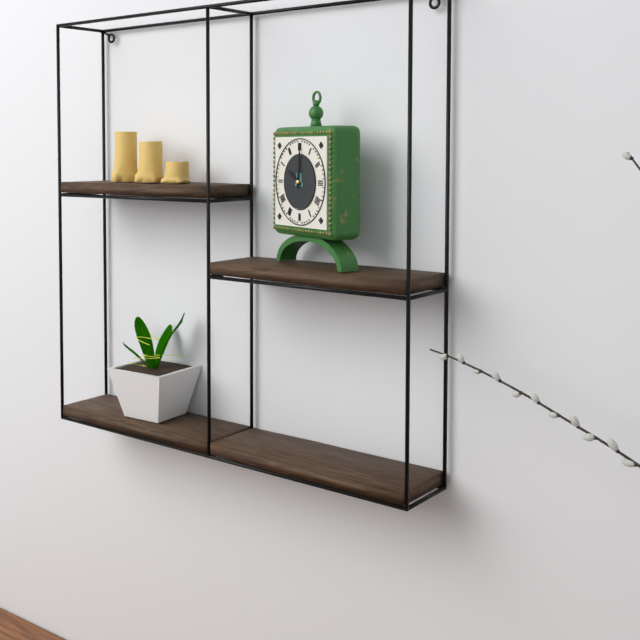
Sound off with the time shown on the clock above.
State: 10:01
